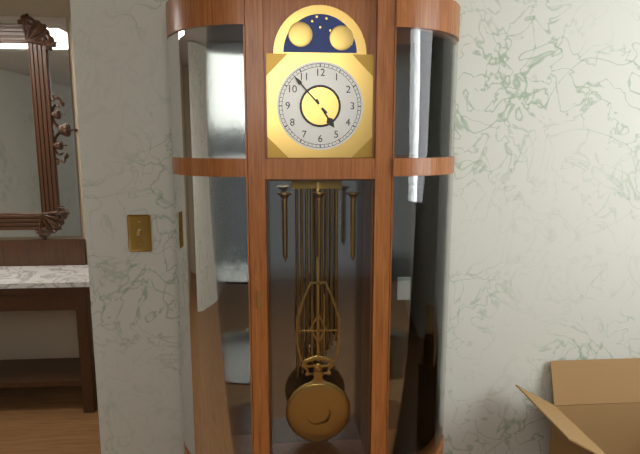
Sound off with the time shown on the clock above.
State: 4:53
